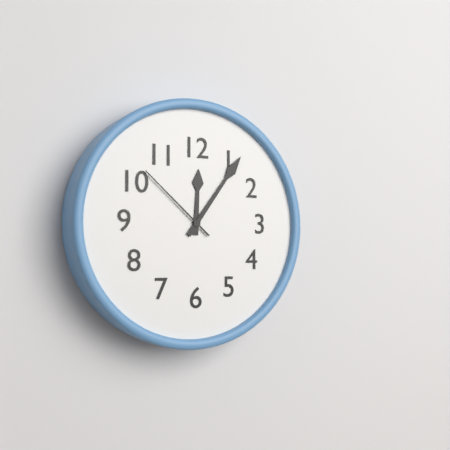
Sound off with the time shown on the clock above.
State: 12:06:52
